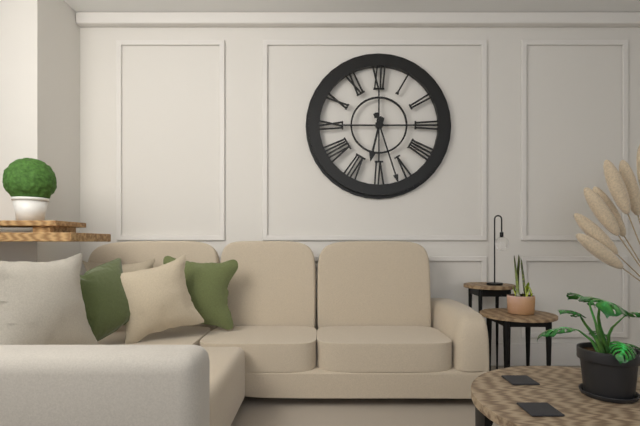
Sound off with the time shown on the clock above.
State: 6:27
